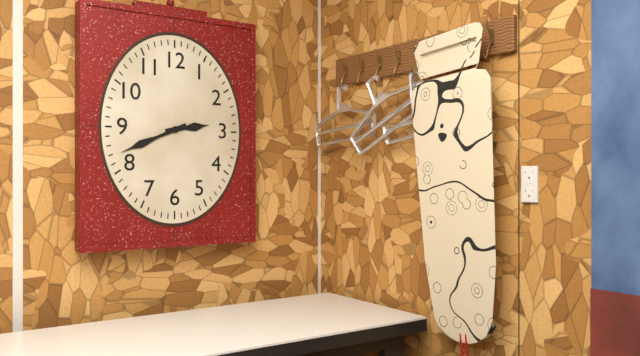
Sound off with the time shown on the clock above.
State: 2:41
